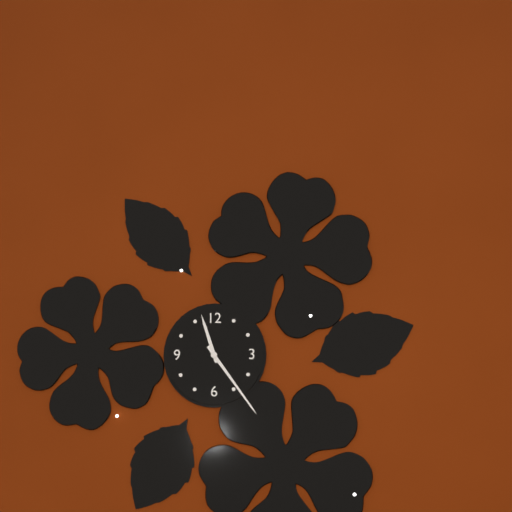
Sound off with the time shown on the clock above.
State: 11:24
